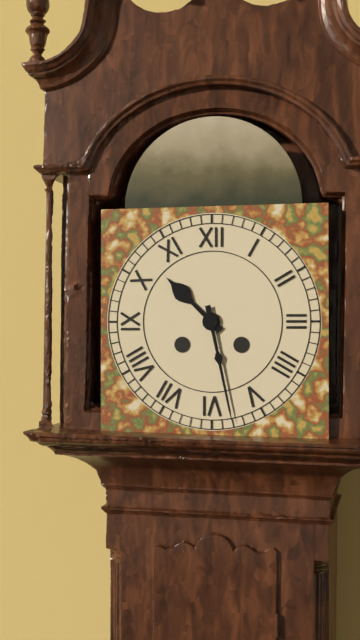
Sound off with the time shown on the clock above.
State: 10:28
